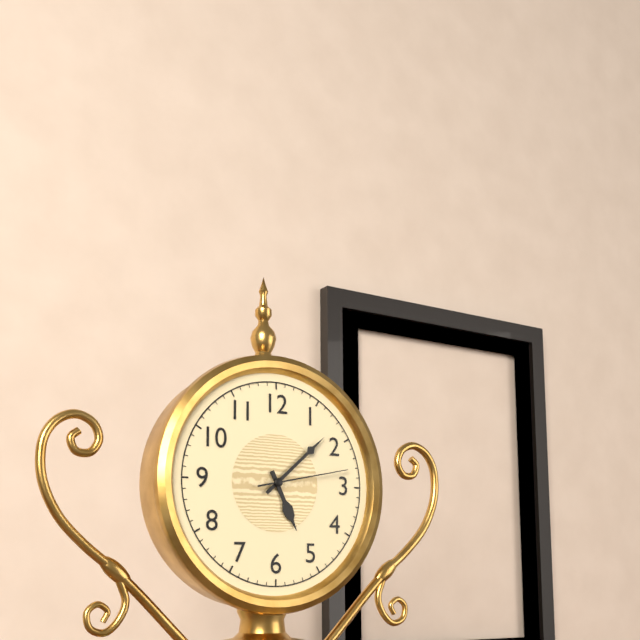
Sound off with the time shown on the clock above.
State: 5:08:13
